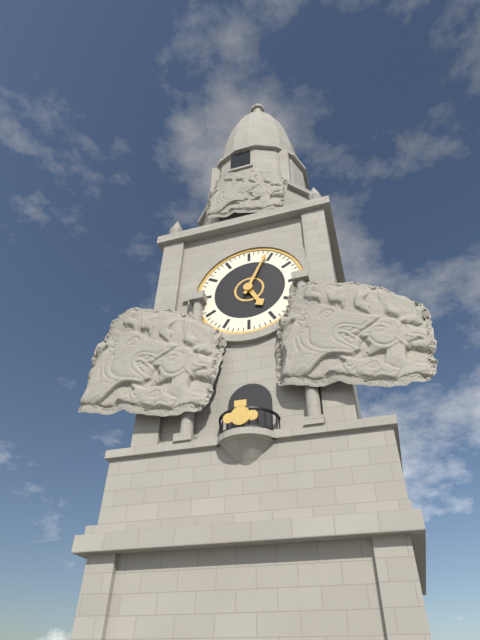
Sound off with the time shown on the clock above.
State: 5:04
